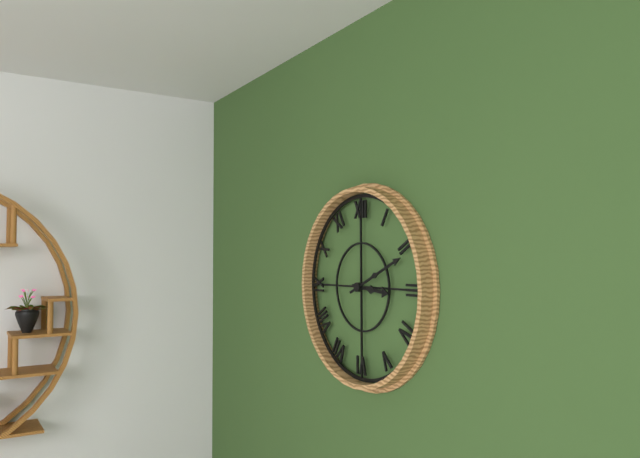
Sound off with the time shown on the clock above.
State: 3:11
